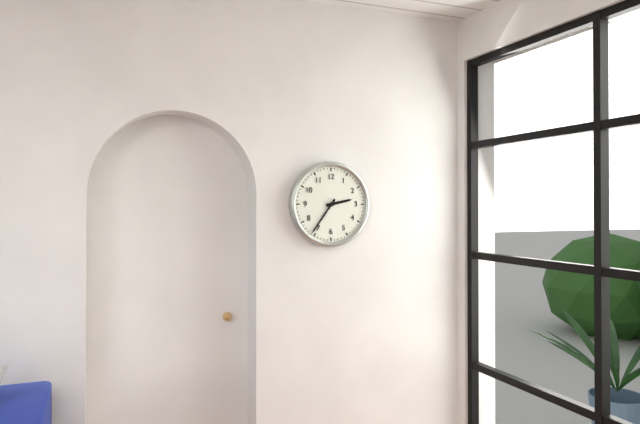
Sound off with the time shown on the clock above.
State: 2:36
